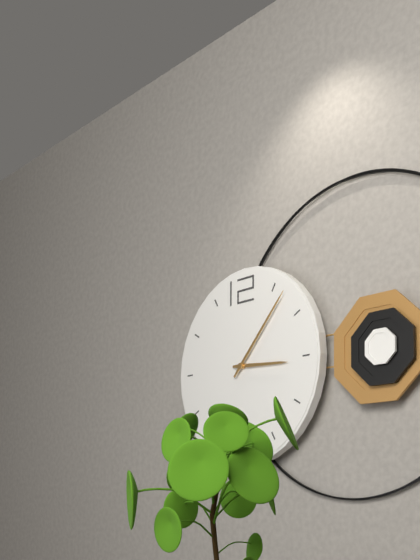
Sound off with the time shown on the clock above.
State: 3:07
